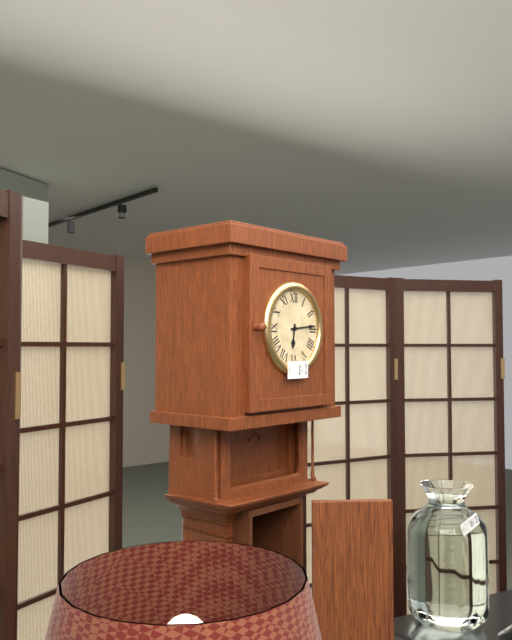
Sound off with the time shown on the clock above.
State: 6:14
